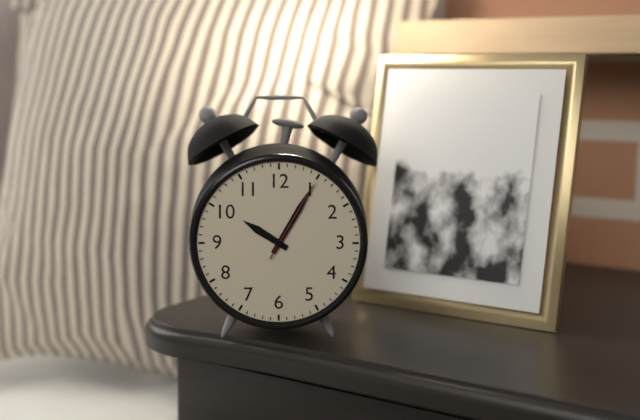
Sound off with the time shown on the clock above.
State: 10:05:05
